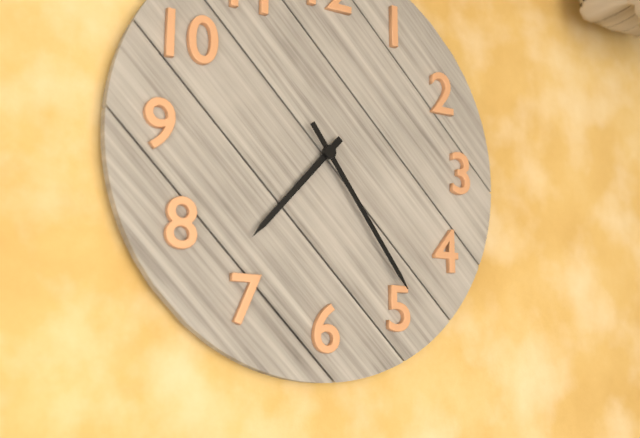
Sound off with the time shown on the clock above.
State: 7:24
